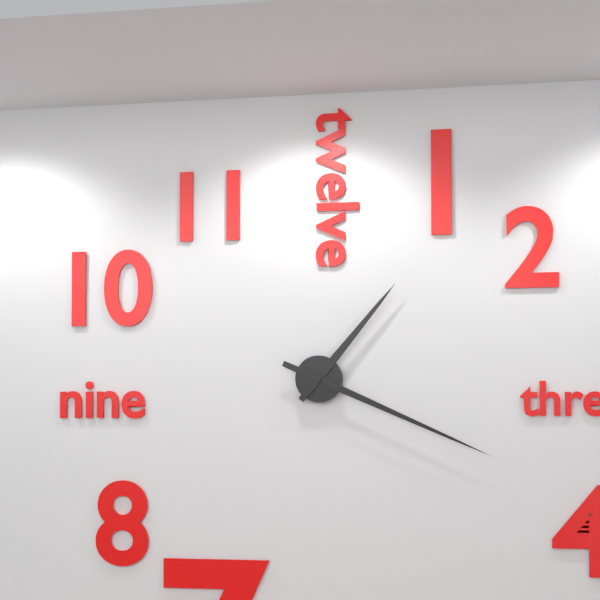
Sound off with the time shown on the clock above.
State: 1:19
